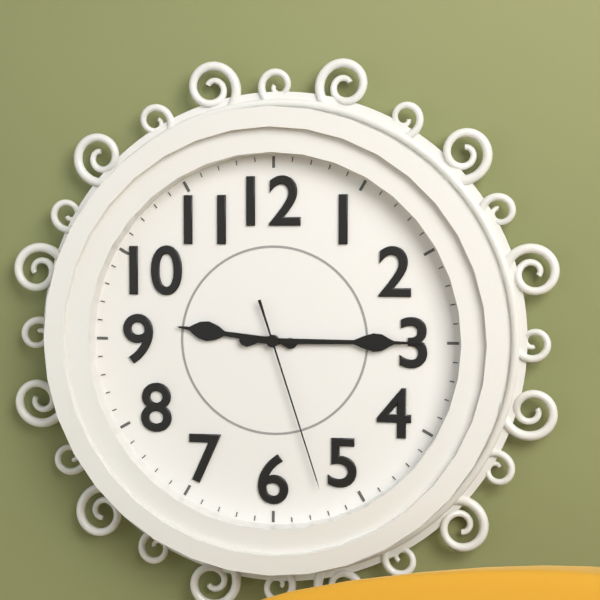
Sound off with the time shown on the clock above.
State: 9:15:27
